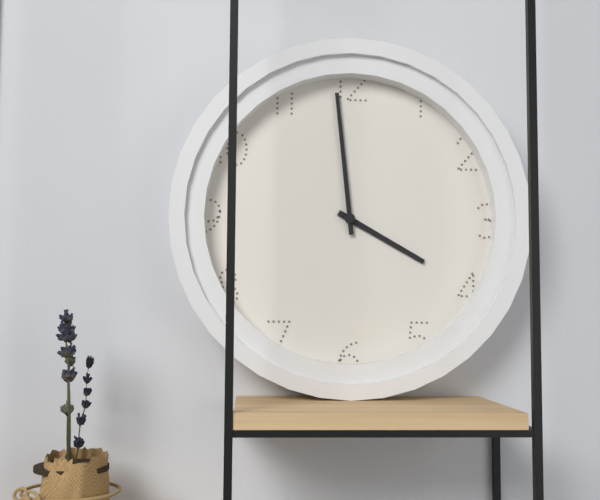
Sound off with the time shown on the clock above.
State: 3:59
